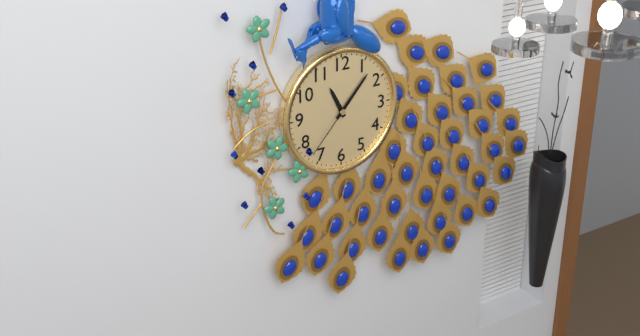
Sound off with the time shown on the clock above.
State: 11:07:37
